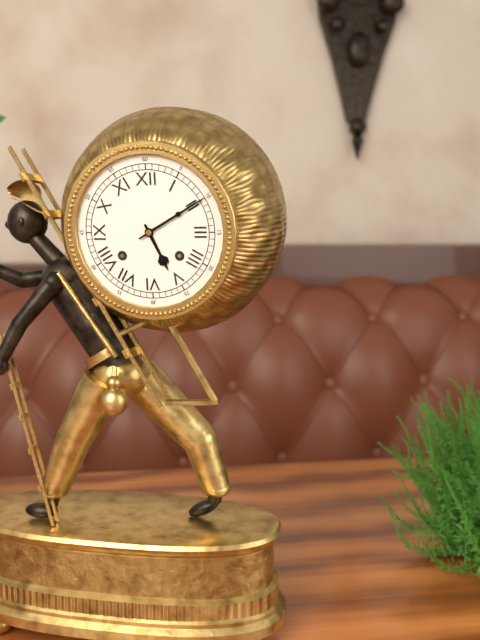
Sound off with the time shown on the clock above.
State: 5:10
